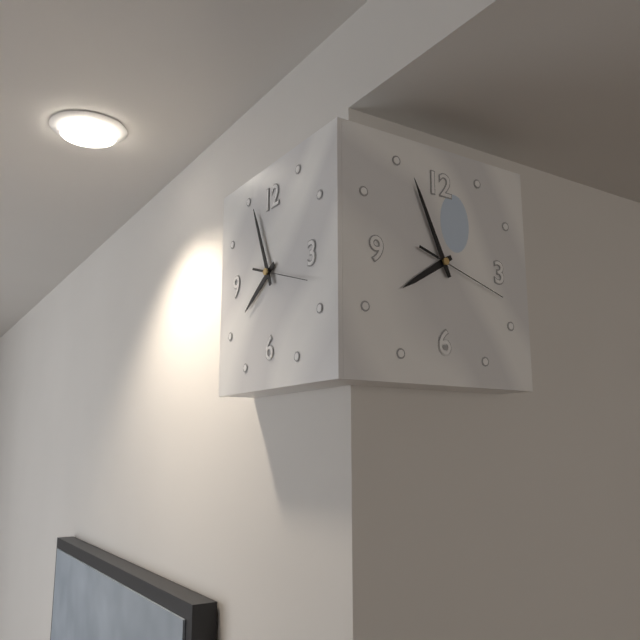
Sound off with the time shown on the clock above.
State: 7:56:18
